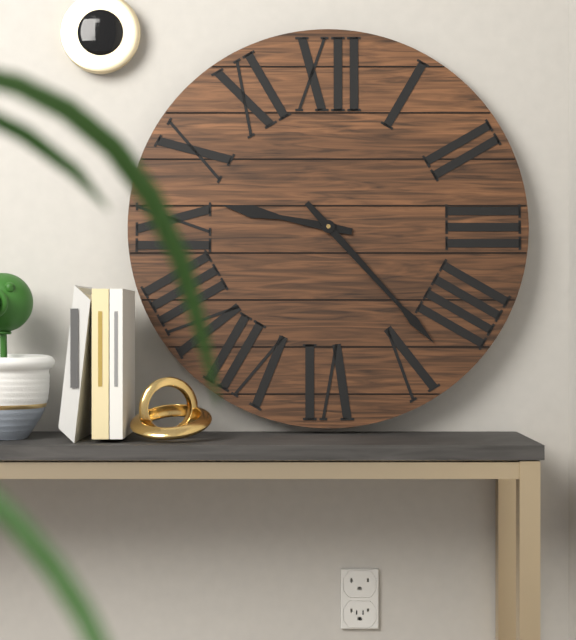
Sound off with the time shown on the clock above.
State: 9:23
